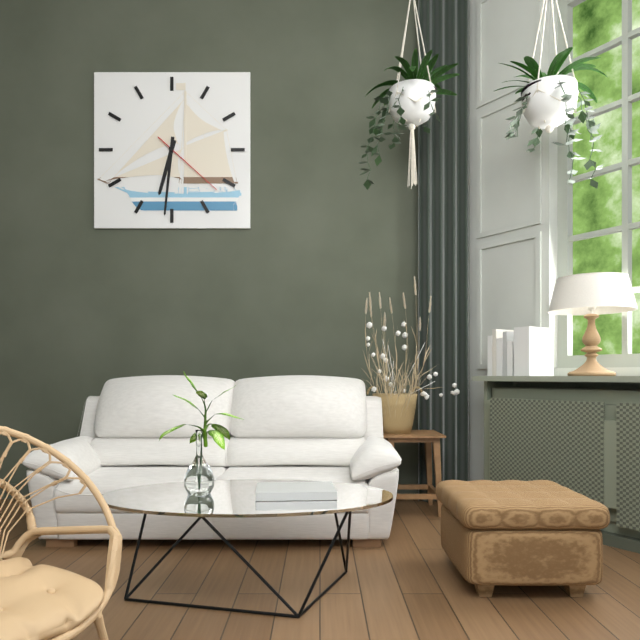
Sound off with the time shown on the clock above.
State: 6:31:22
